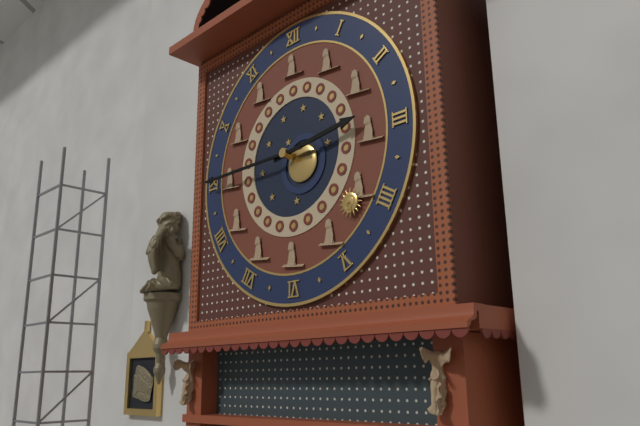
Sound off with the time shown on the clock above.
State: 2:45
